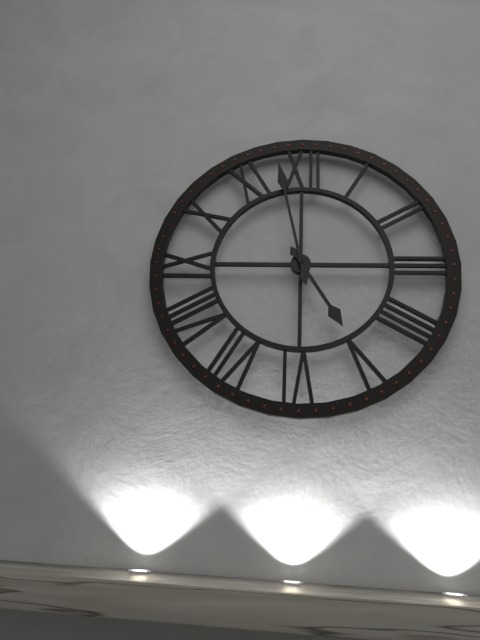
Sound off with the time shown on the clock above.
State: 4:58
